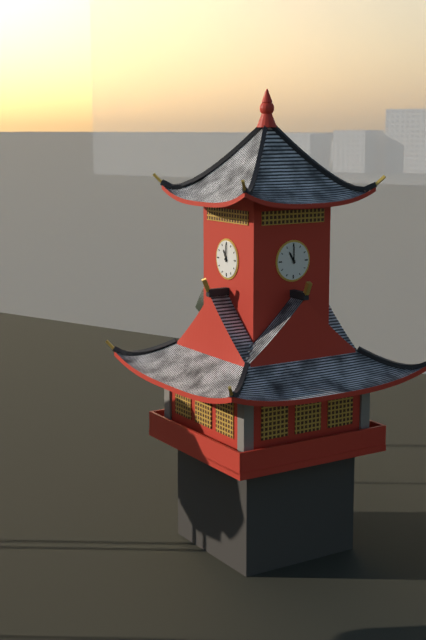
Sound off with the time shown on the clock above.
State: 11:00
